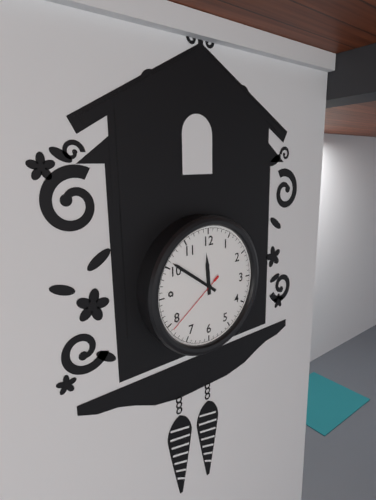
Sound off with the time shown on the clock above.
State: 11:51:39
